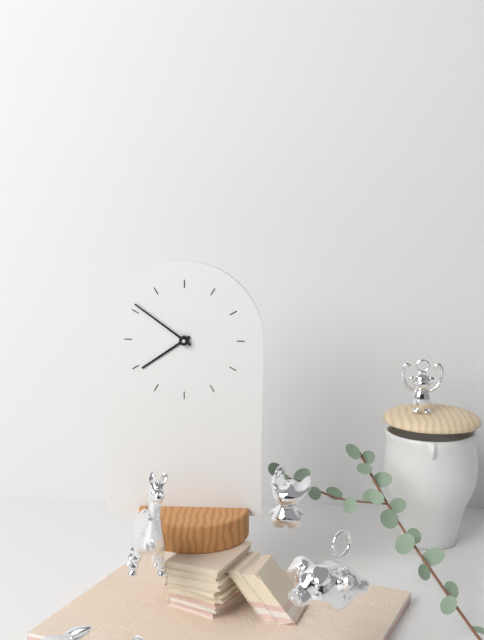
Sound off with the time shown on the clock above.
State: 7:51
